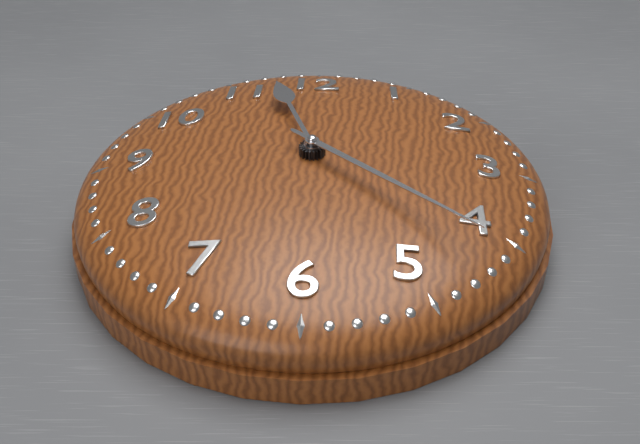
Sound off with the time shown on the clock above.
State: 11:22
